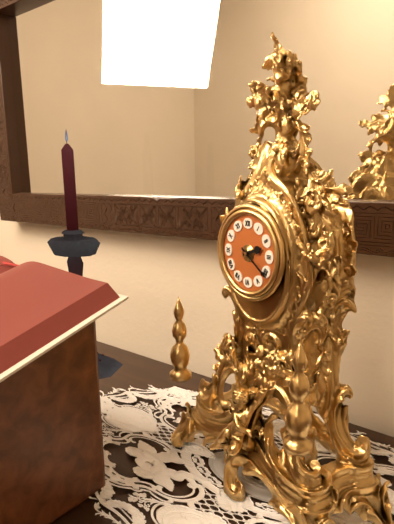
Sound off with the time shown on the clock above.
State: 2:21
